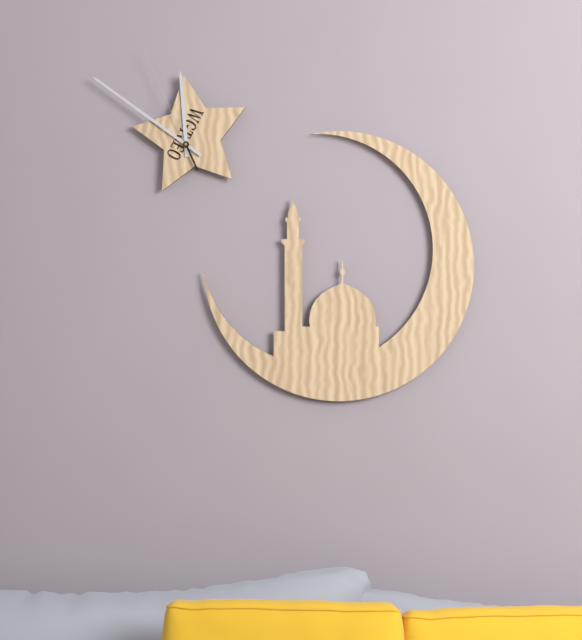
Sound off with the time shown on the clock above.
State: 11:51:56
